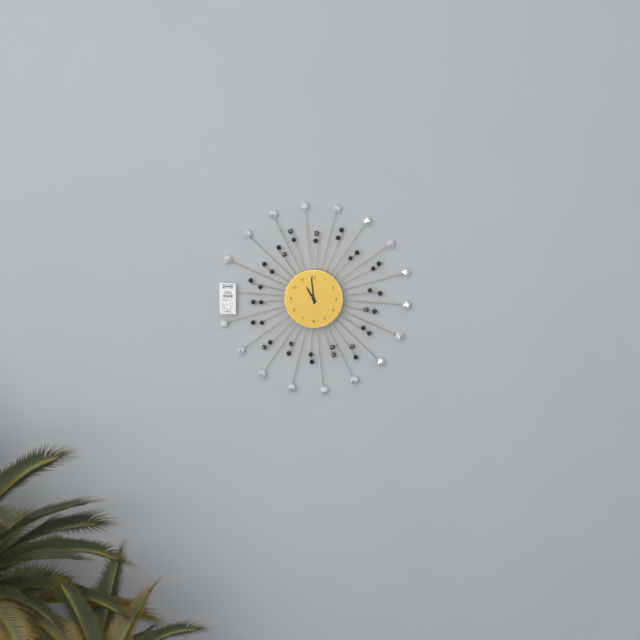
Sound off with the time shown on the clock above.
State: 10:59
